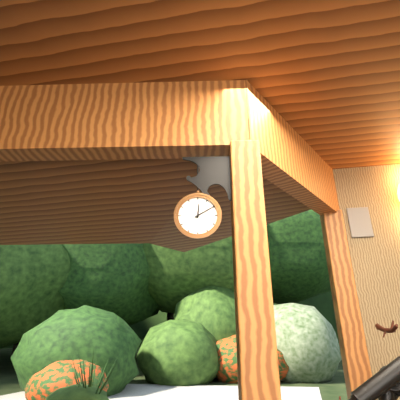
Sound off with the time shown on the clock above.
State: 12:10
